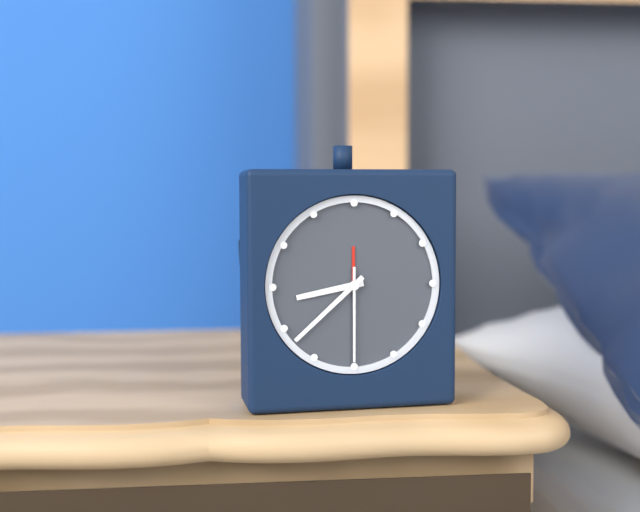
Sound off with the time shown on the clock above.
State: 8:38:30
